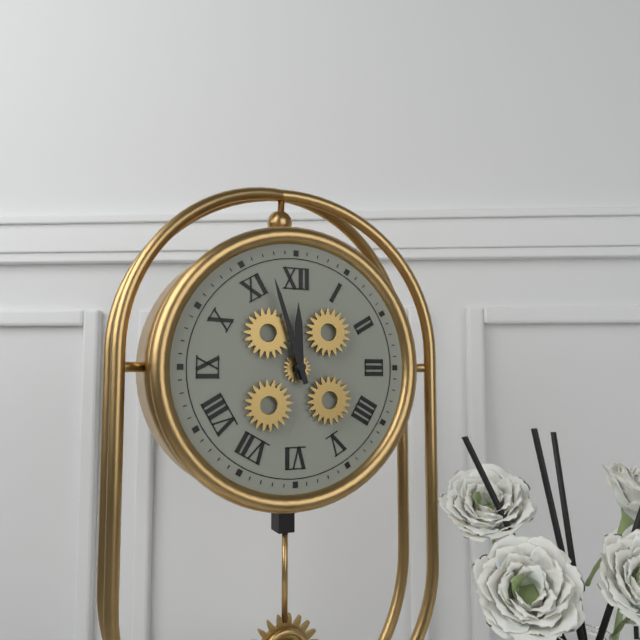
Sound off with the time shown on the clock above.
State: 11:57
